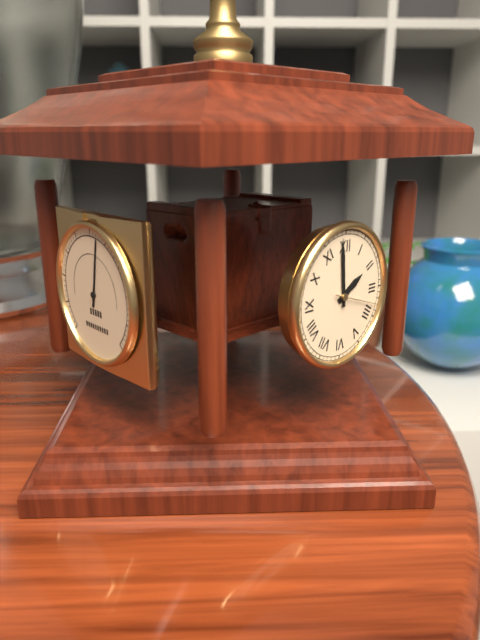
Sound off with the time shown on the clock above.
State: 1:59:18
